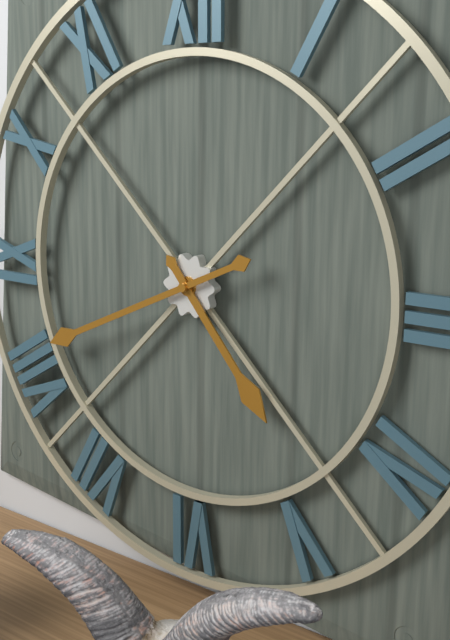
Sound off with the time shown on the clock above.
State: 4:41
